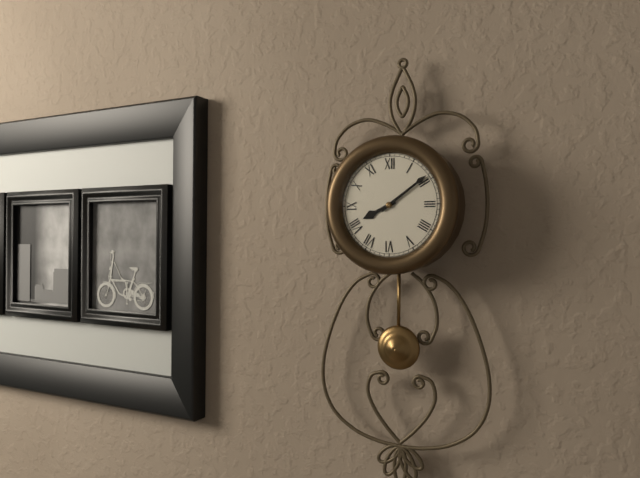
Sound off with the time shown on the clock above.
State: 8:09
